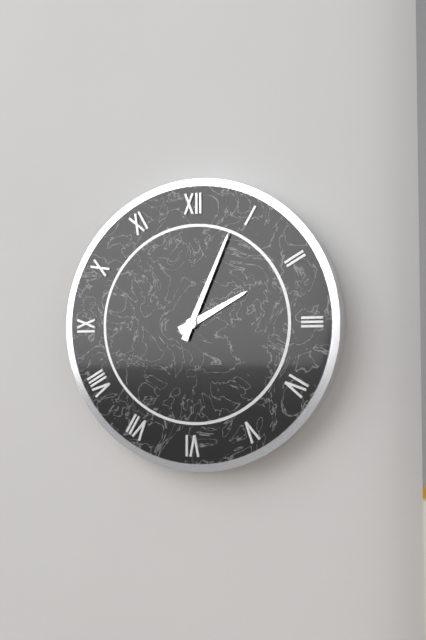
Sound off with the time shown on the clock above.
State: 2:04
